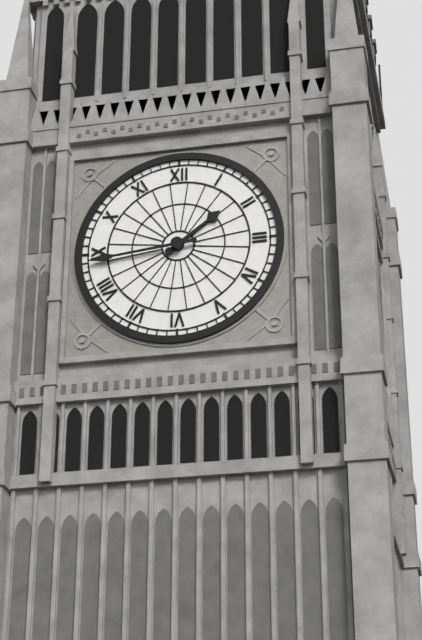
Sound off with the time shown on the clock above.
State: 1:44
